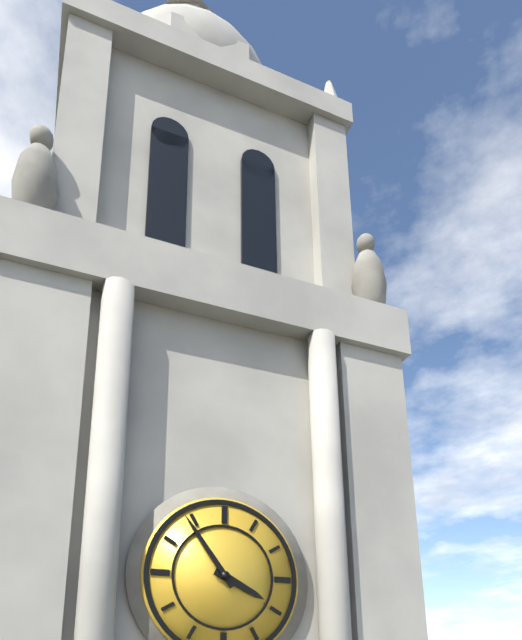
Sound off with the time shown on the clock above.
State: 3:54
